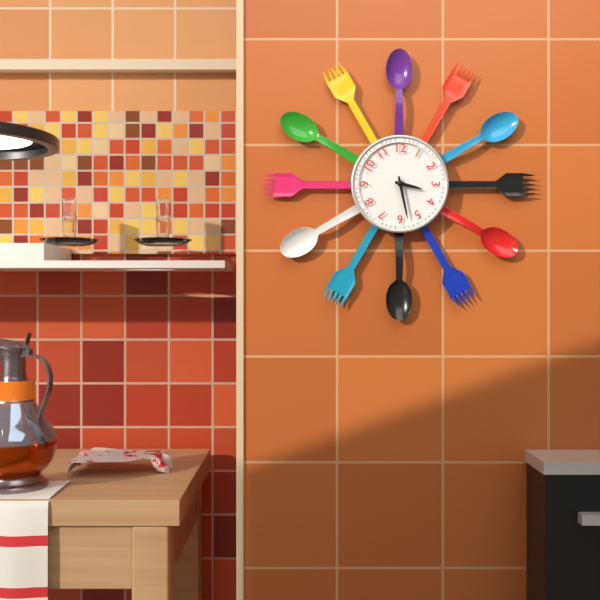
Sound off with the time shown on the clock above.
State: 3:28
